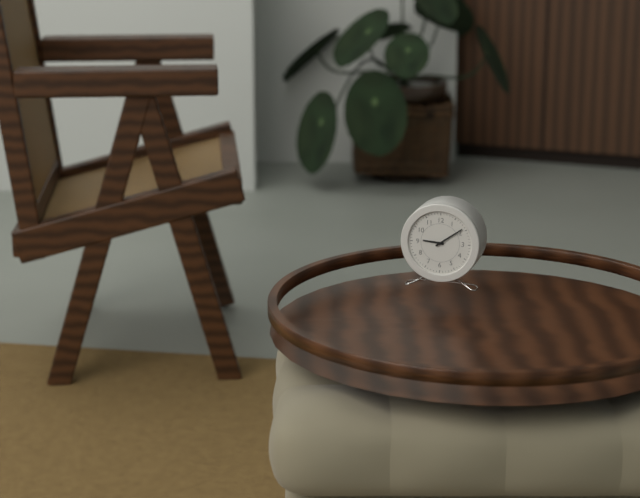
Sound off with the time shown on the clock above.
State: 9:09
